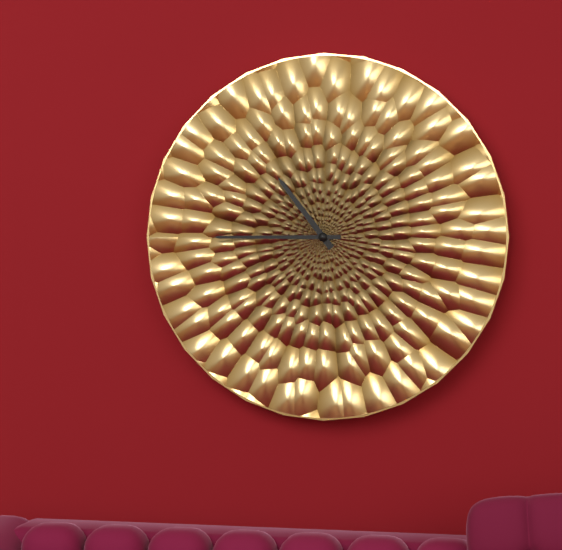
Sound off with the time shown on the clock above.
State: 10:45
